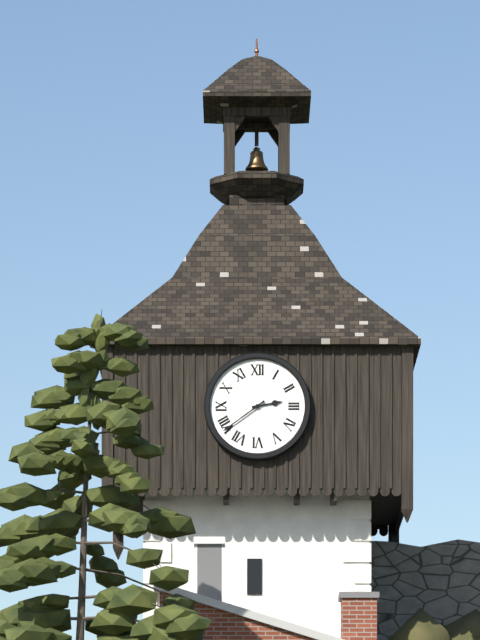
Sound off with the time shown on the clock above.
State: 2:39
